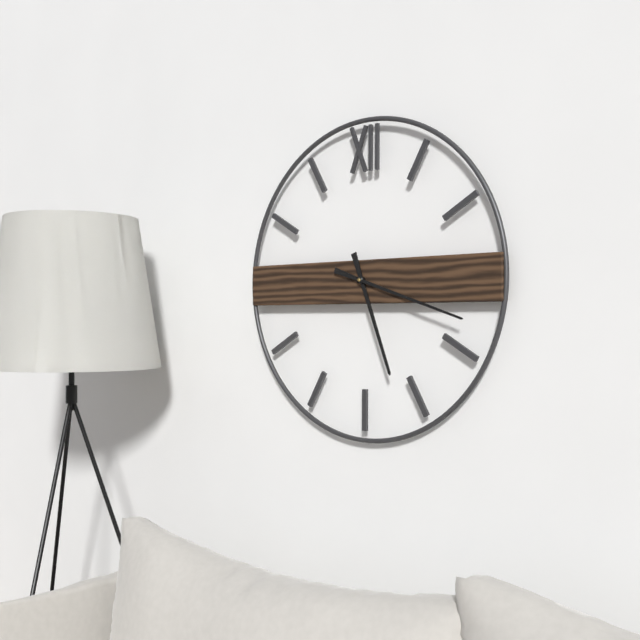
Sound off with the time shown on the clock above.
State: 5:18
